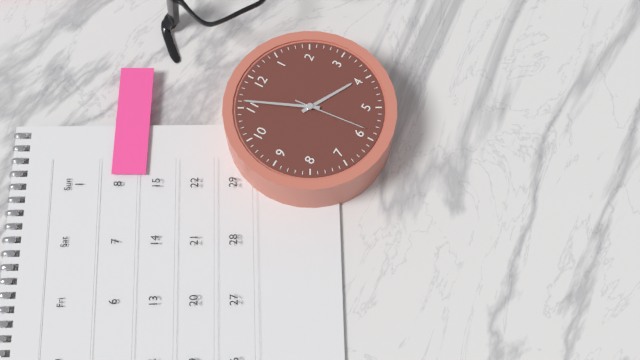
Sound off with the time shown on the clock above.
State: 3:56:29
